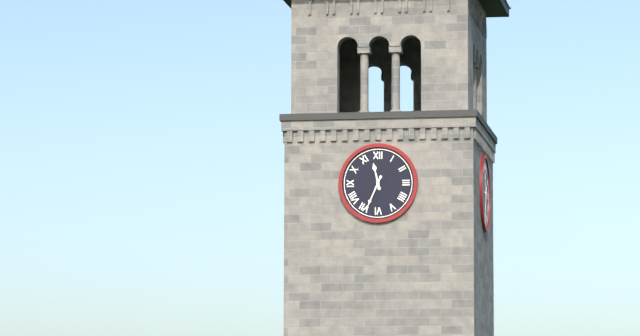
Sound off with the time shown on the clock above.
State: 11:34
